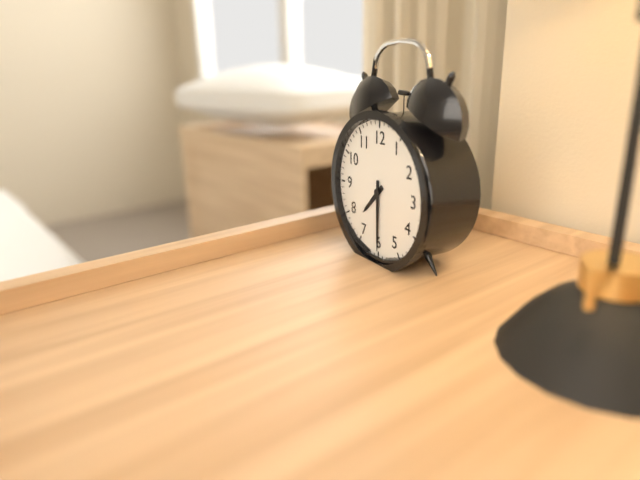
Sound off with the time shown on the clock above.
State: 7:30
